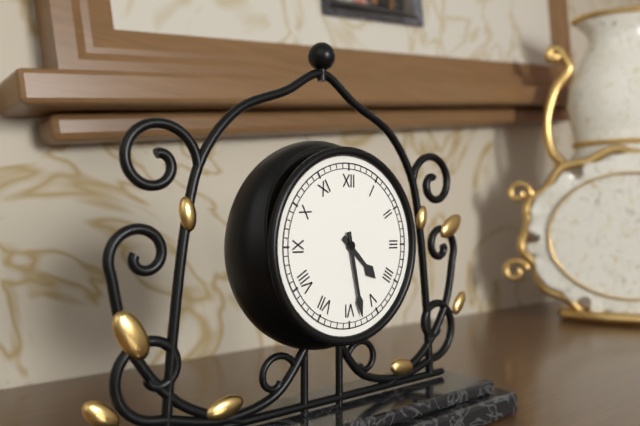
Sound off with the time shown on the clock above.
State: 4:28
